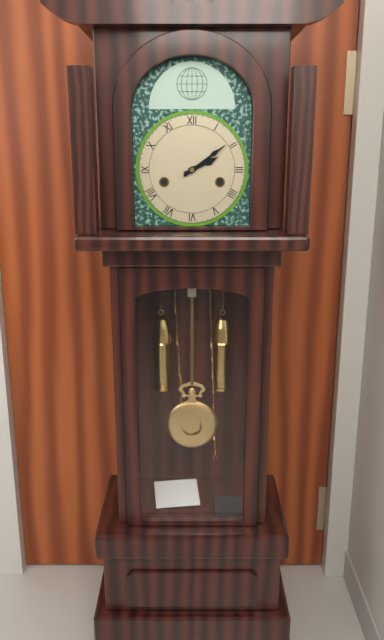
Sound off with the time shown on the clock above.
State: 2:09
